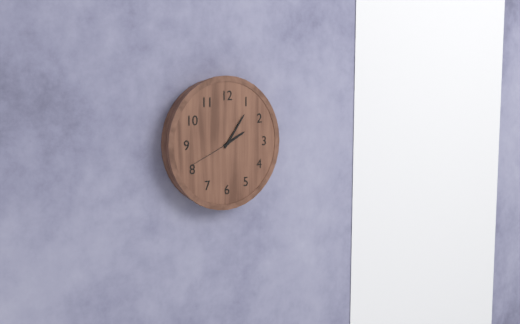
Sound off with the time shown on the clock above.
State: 2:06
